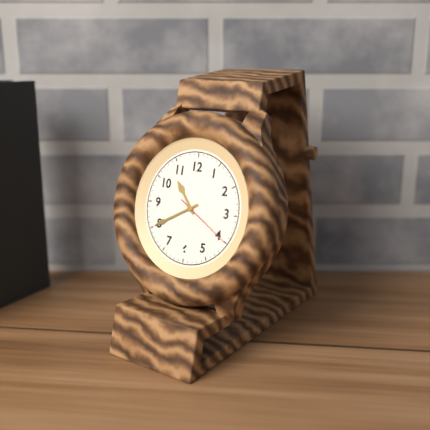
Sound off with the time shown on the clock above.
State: 10:40:20
